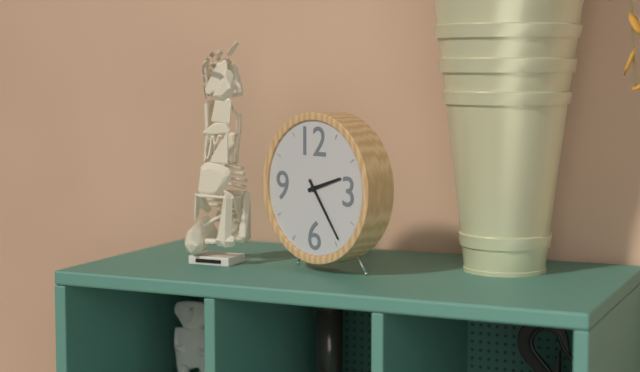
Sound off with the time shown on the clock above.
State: 2:24
